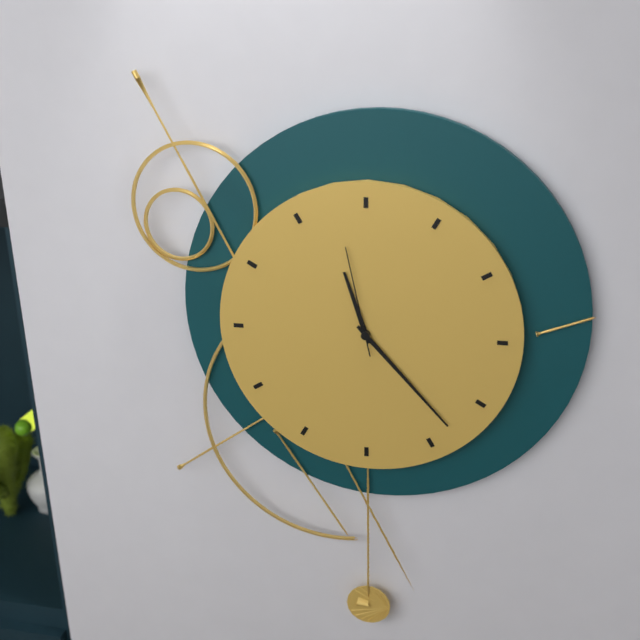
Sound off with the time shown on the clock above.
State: 11:23:58
